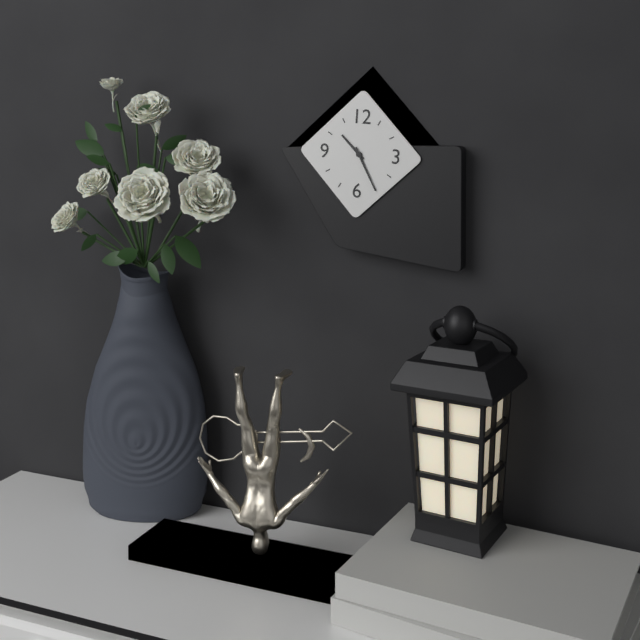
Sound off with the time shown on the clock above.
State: 10:25
